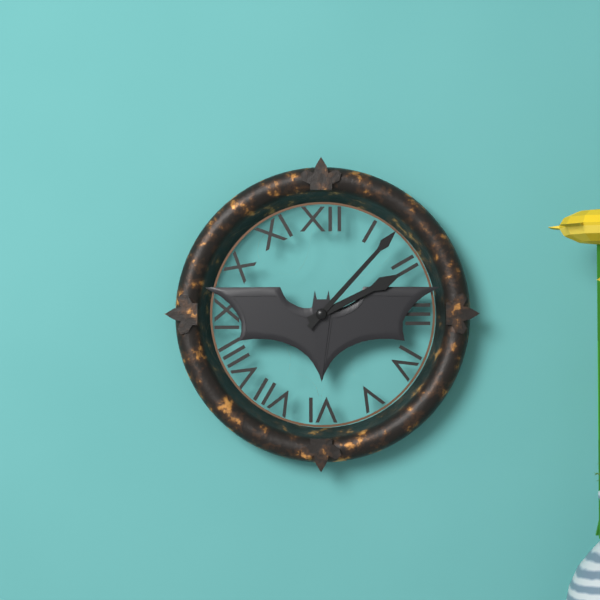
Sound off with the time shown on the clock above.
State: 2:07
